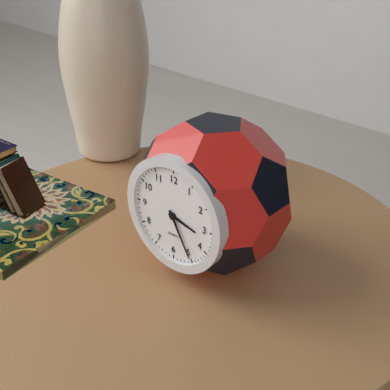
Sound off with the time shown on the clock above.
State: 3:25
